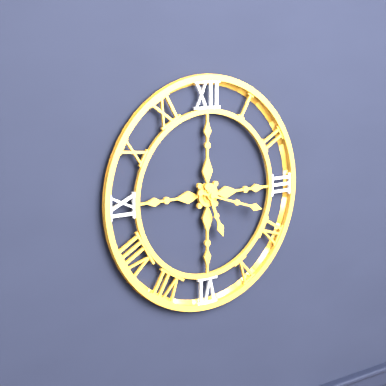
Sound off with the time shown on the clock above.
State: 5:18
